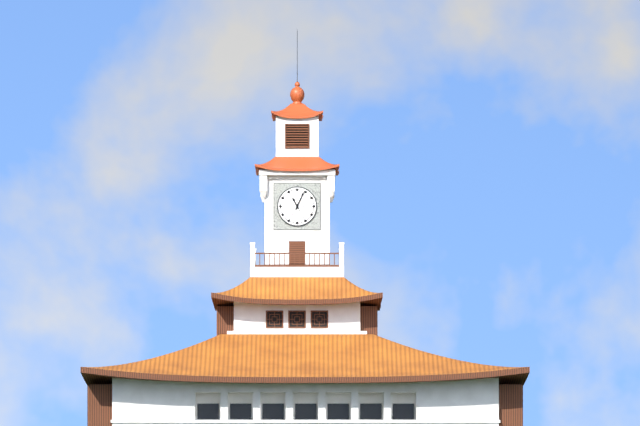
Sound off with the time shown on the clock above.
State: 11:04
